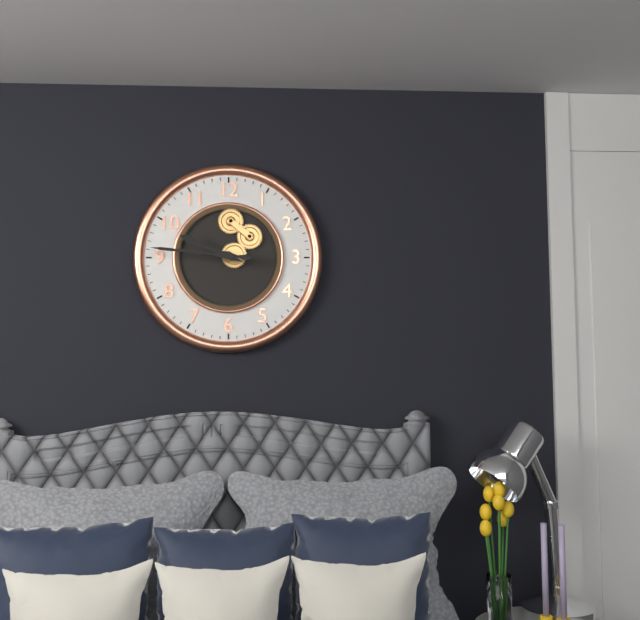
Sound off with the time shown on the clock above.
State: 9:46
